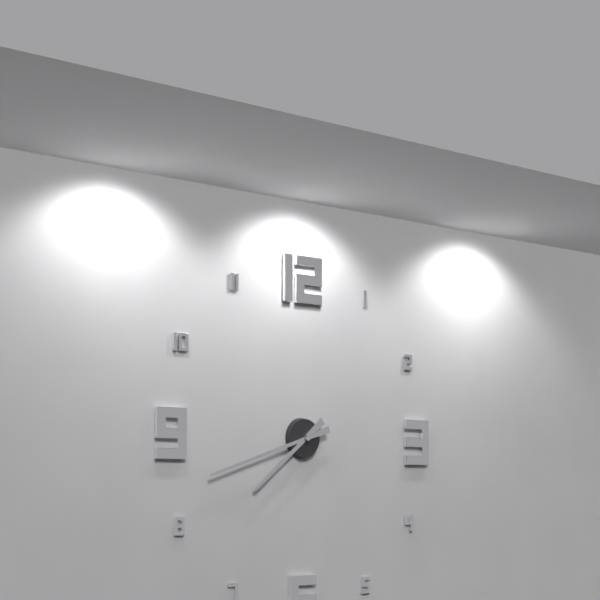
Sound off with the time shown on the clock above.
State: 7:42
